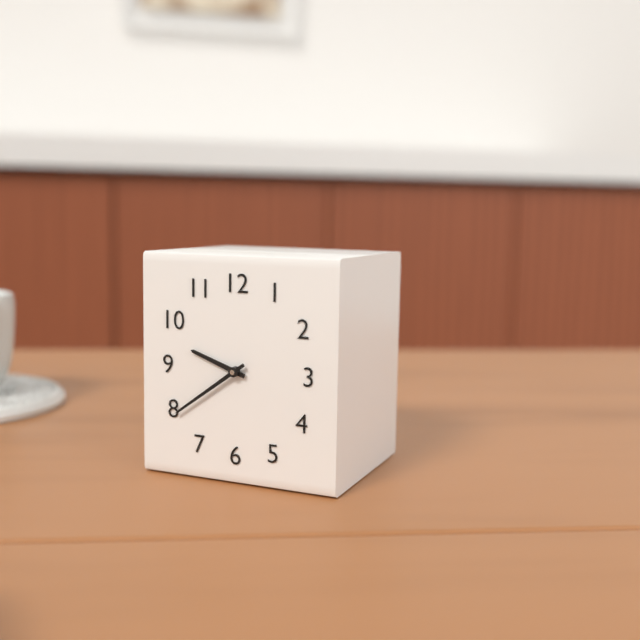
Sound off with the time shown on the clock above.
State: 9:39
